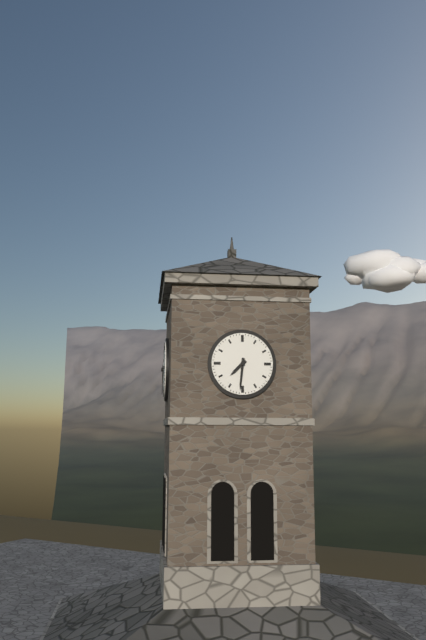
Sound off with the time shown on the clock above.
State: 7:31
